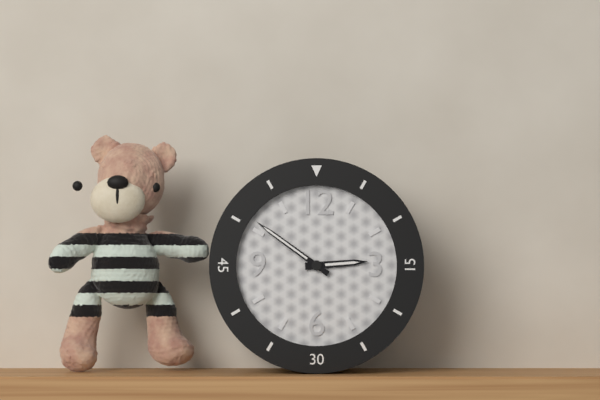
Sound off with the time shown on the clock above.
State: 2:51
